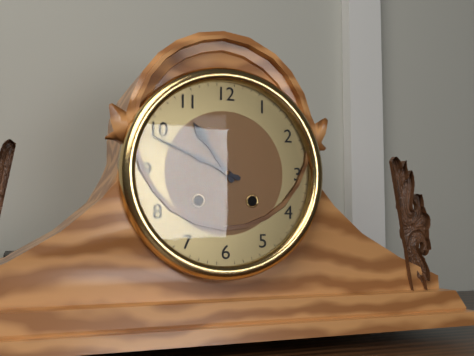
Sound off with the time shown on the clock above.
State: 10:49
